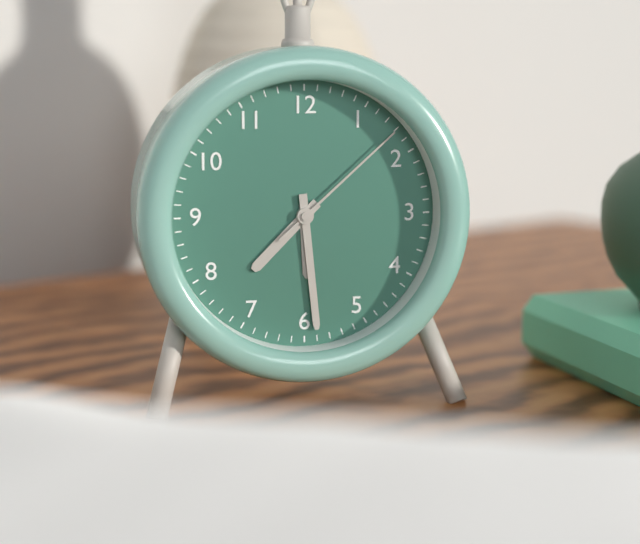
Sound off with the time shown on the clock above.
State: 7:29:08
